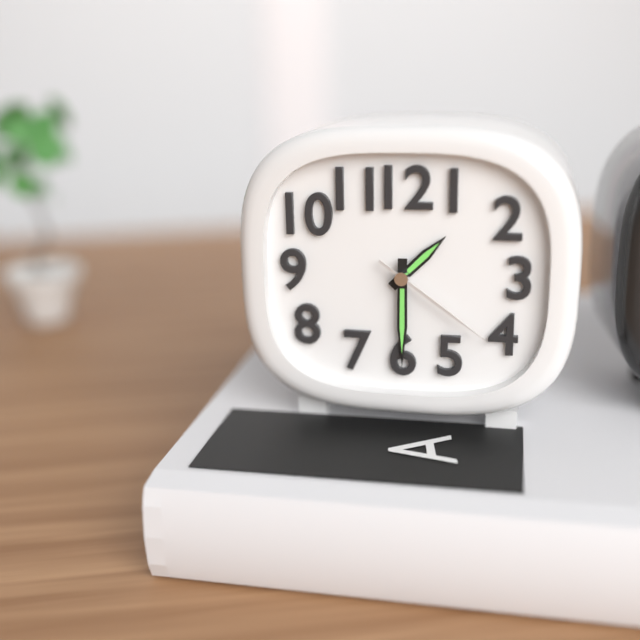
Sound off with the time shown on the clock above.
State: 1:30:21
